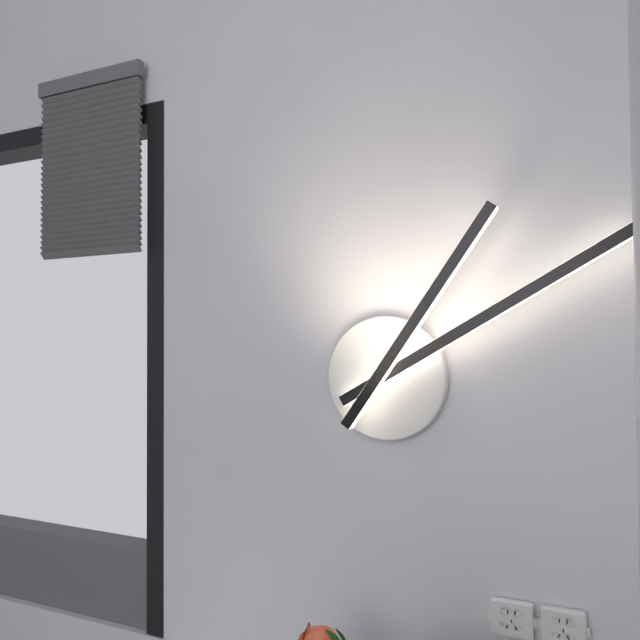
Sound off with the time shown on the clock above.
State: 1:10
